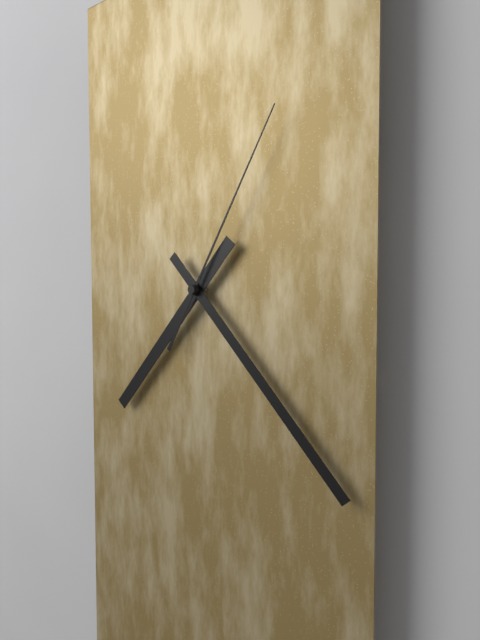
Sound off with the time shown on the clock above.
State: 7:23:05
